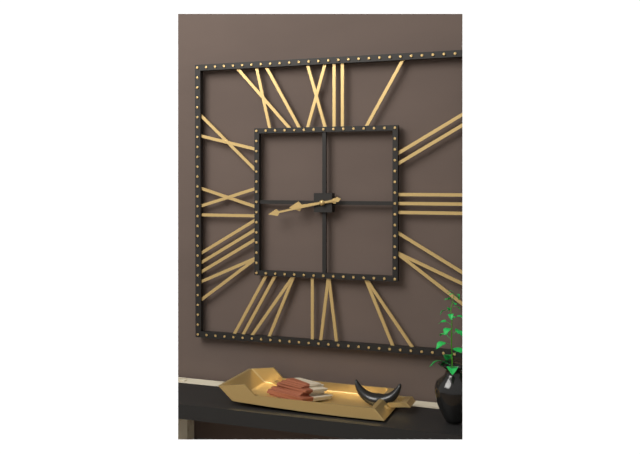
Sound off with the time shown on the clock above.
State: 8:43
